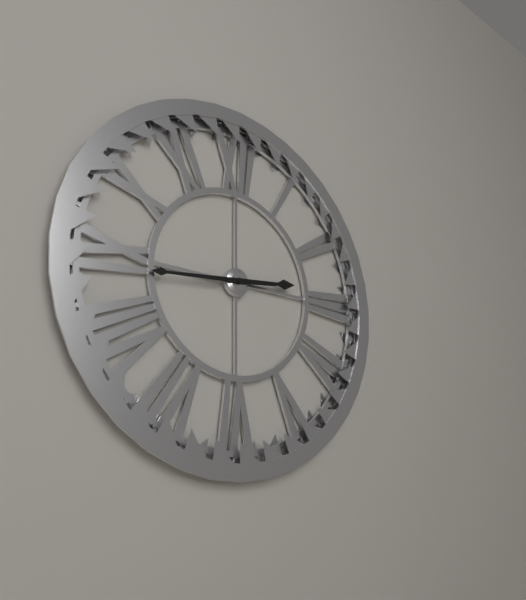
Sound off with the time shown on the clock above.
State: 2:44
